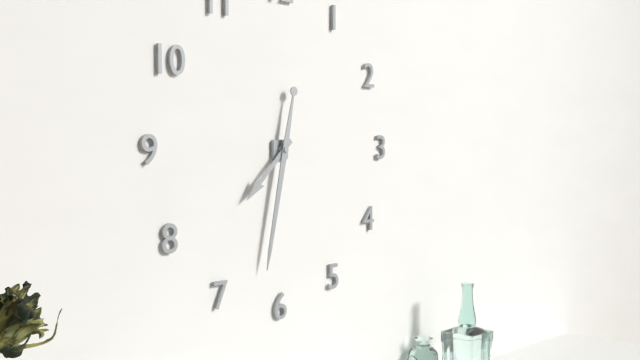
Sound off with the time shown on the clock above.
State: 7:32
